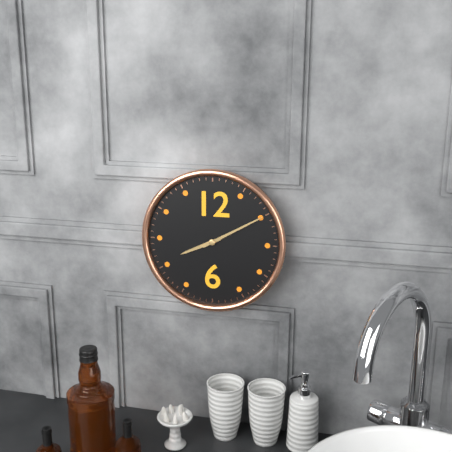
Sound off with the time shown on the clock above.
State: 8:10
